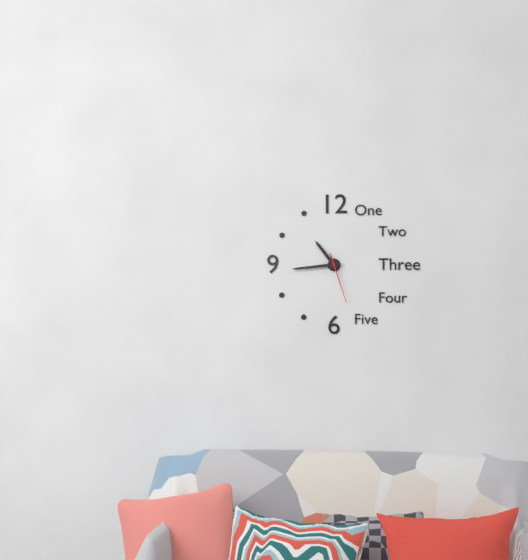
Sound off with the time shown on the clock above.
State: 10:44:27
